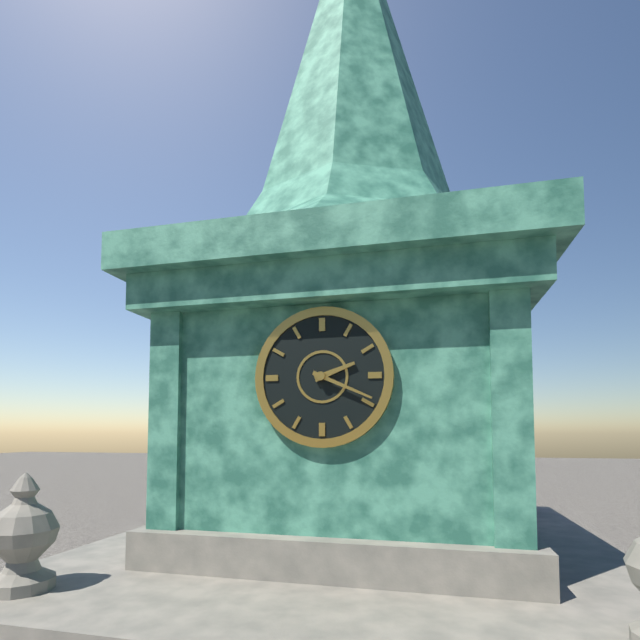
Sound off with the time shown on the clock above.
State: 2:19
